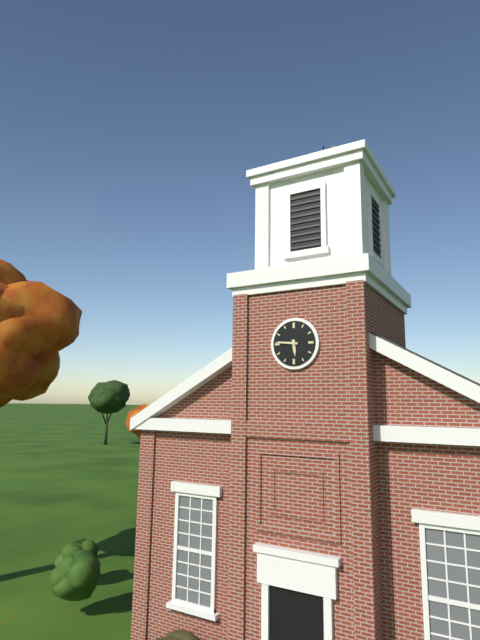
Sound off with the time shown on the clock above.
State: 5:46
